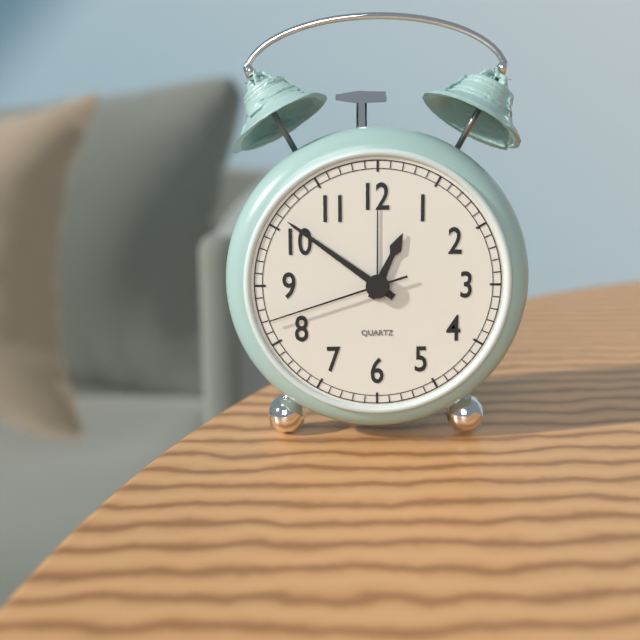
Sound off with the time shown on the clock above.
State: 12:51:42
